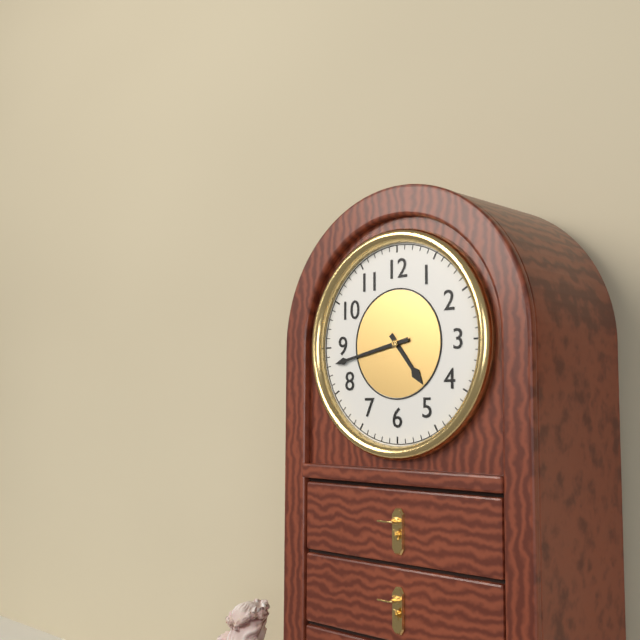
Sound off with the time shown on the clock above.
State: 4:43
